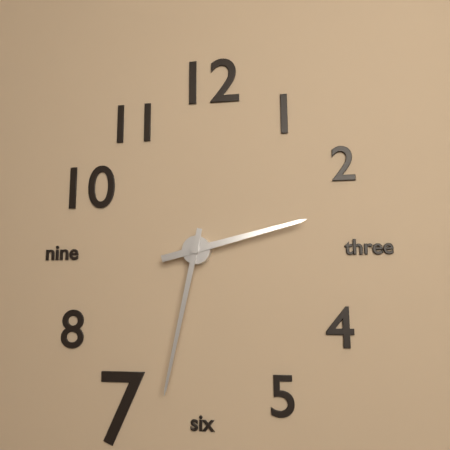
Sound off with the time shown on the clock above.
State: 2:32
